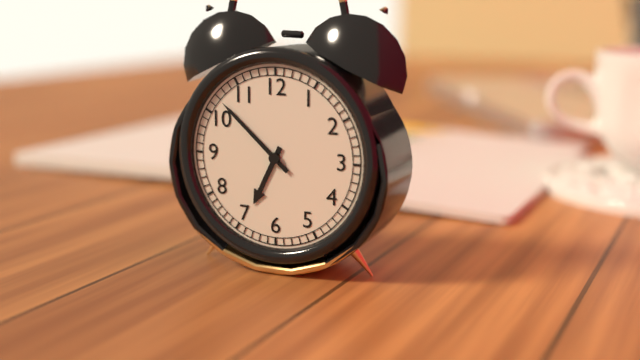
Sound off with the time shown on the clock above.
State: 6:52
